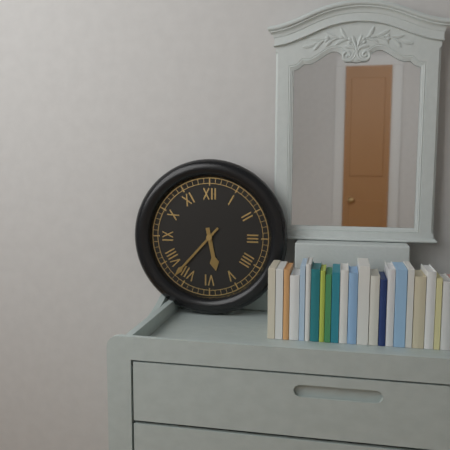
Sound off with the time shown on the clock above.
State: 5:37
